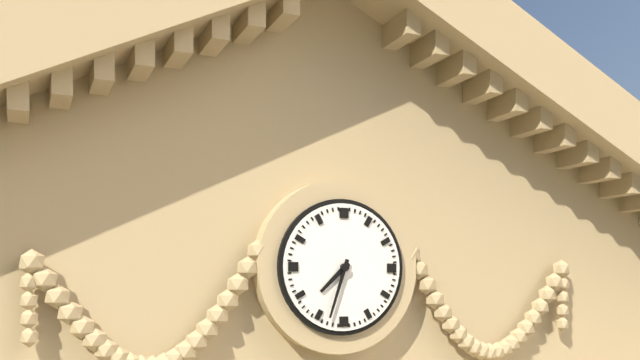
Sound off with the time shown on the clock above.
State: 7:33
